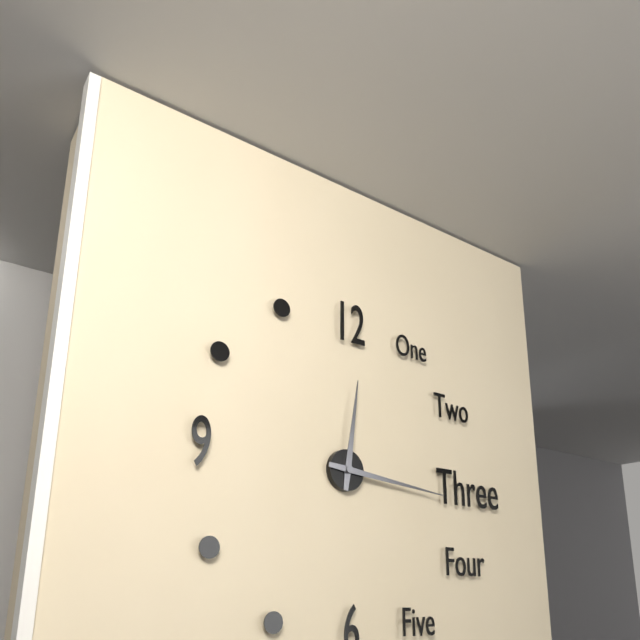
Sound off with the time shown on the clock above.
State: 12:16
